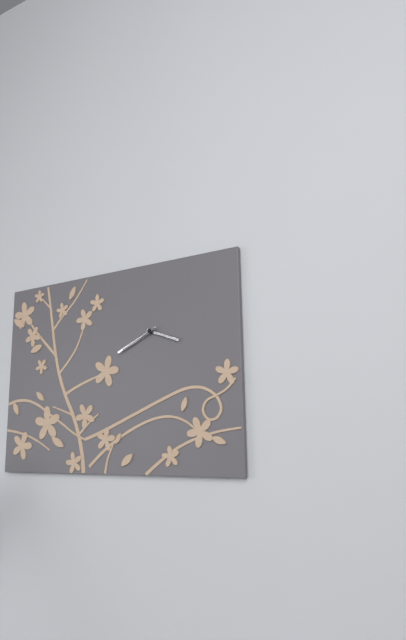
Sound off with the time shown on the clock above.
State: 3:41
